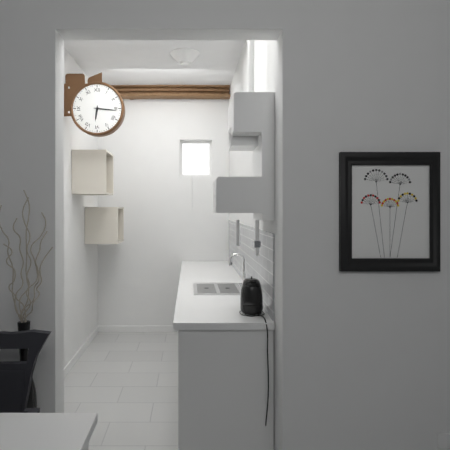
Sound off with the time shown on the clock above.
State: 6:16
